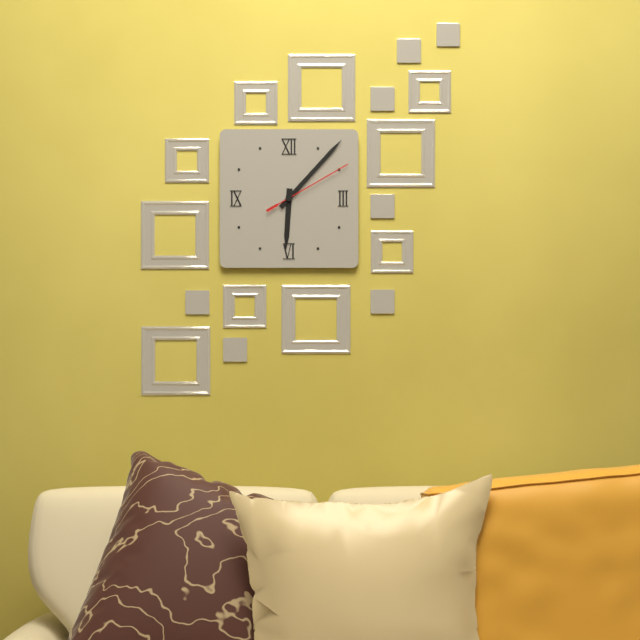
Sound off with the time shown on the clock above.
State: 6:07:10
